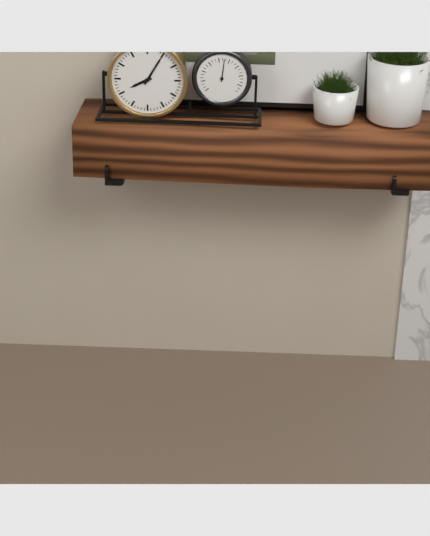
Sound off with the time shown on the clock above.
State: 8:05
